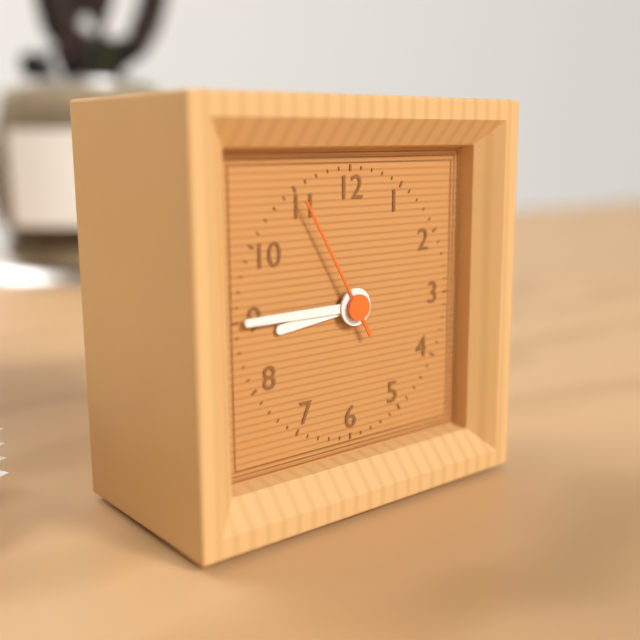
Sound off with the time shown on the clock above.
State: 8:45:55
